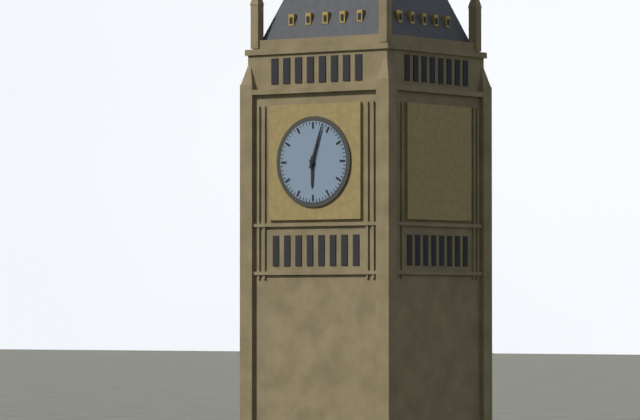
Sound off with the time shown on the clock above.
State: 6:03
